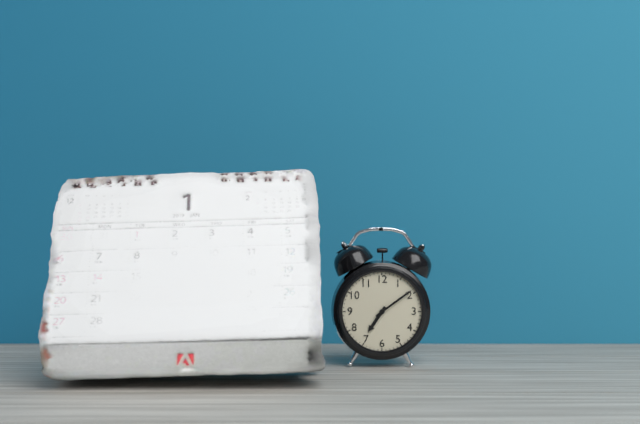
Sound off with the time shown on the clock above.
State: 7:09
